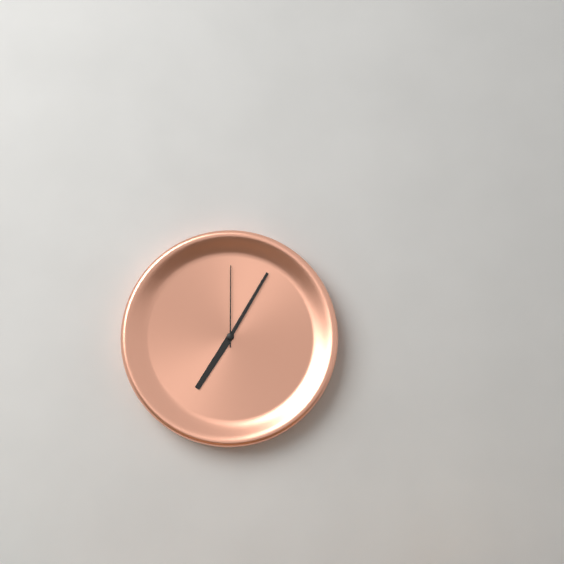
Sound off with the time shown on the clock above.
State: 7:05:00
